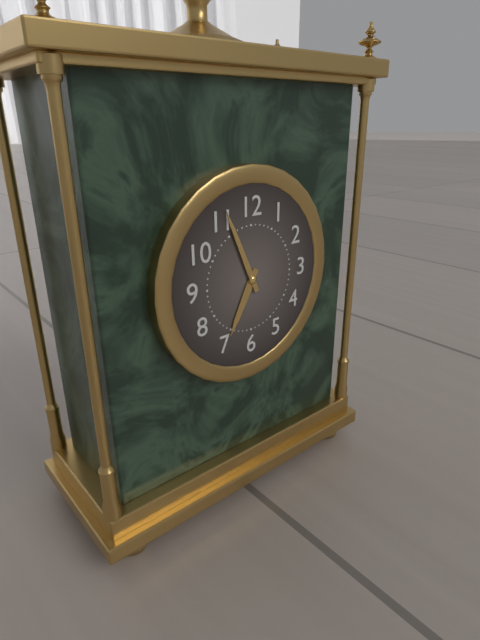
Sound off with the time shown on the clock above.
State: 6:56
